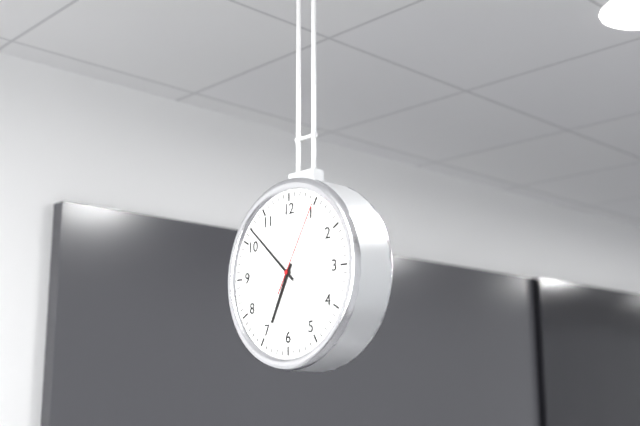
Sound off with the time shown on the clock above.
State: 6:52:05
